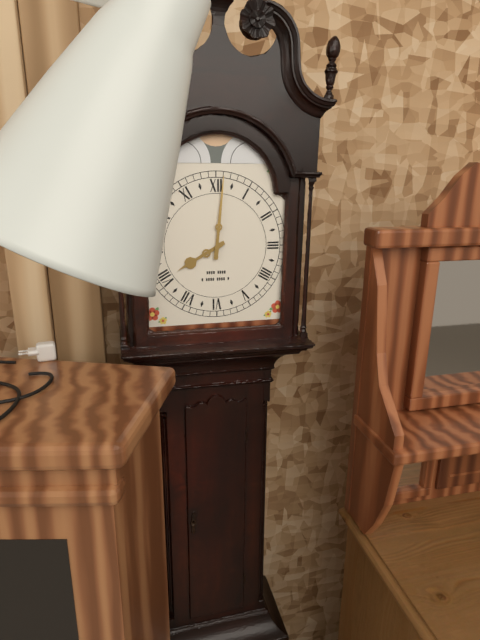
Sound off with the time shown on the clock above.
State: 8:01
